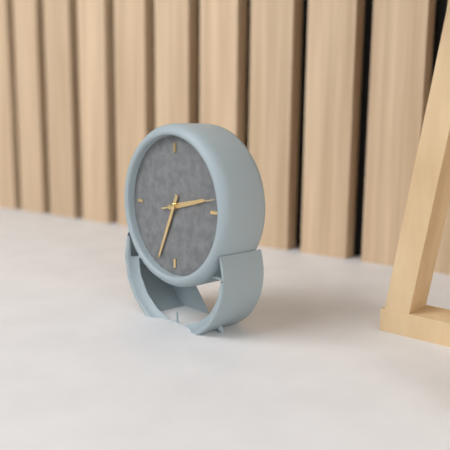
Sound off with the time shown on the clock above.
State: 2:34:13
